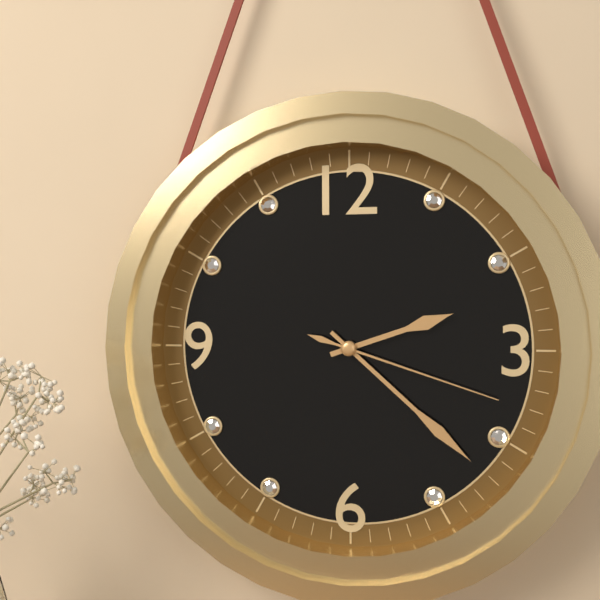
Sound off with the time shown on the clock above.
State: 2:22:18
